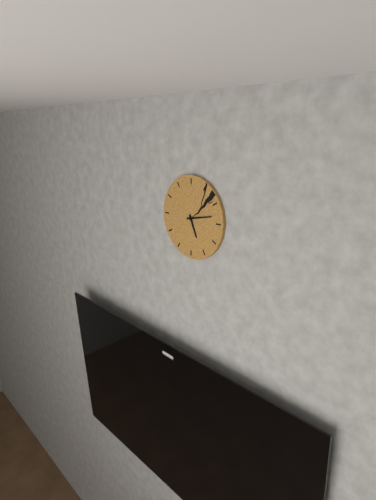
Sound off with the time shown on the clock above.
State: 5:13
